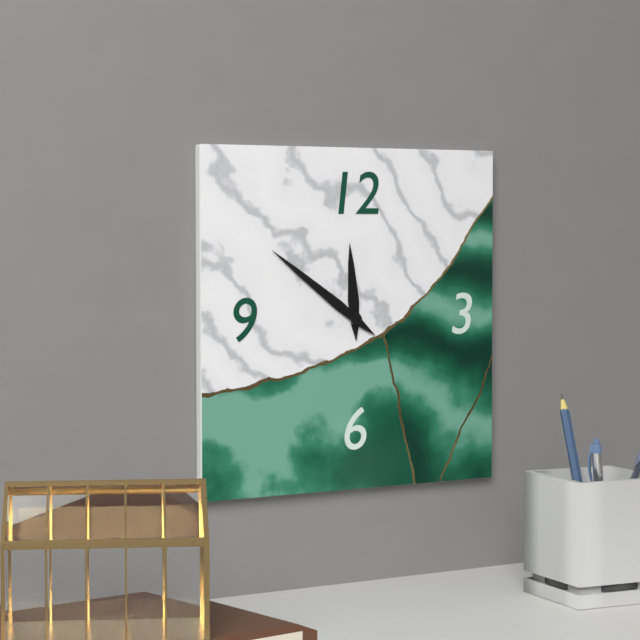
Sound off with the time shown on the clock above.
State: 11:51
